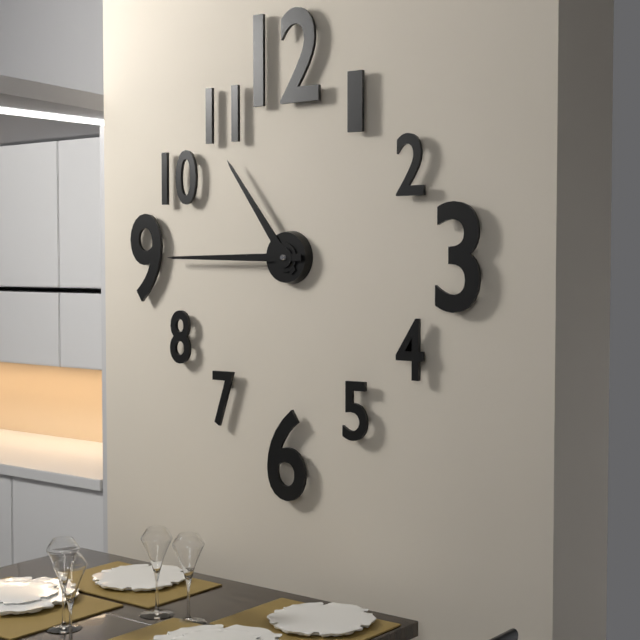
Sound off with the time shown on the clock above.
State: 10:45
